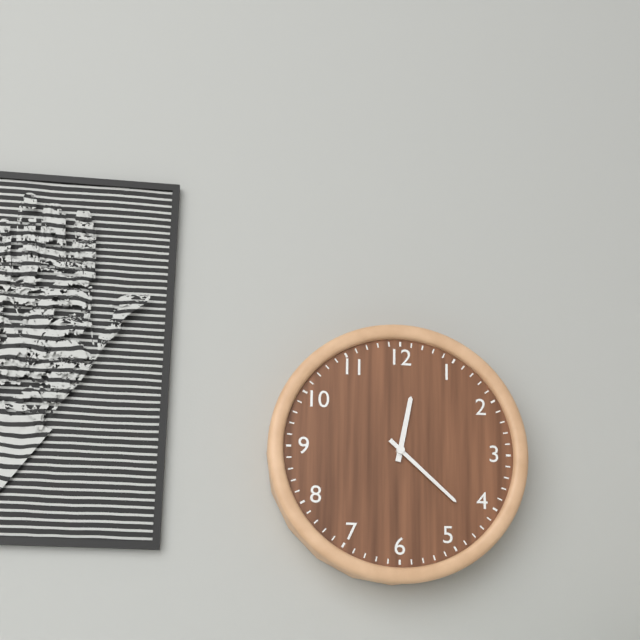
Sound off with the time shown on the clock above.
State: 12:22
